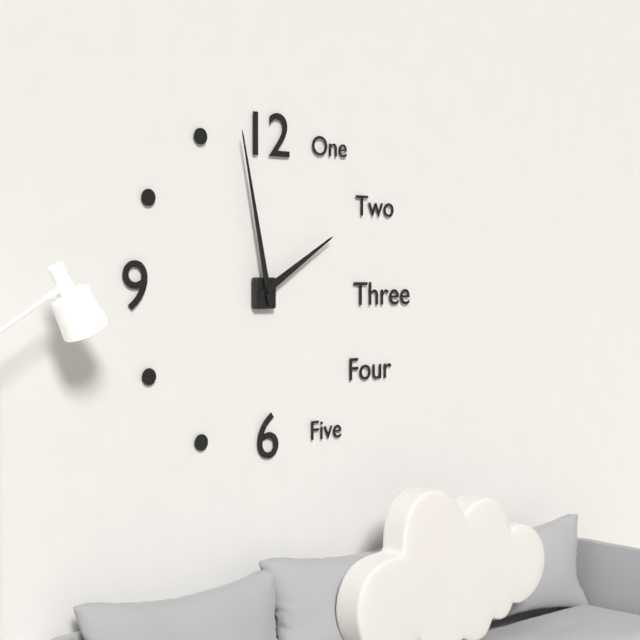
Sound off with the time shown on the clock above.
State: 1:58
